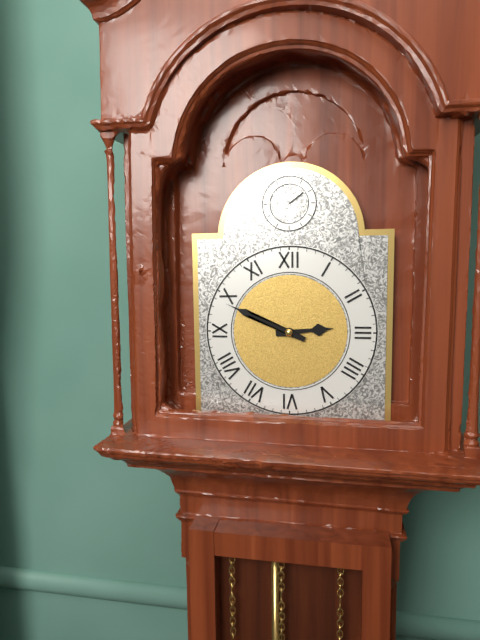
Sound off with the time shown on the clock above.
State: 2:49
